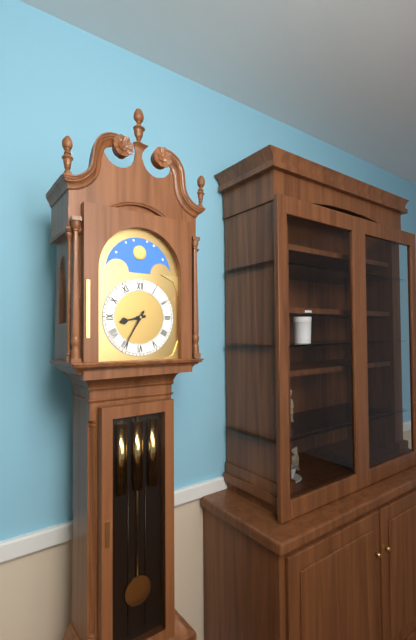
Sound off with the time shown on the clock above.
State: 8:35
